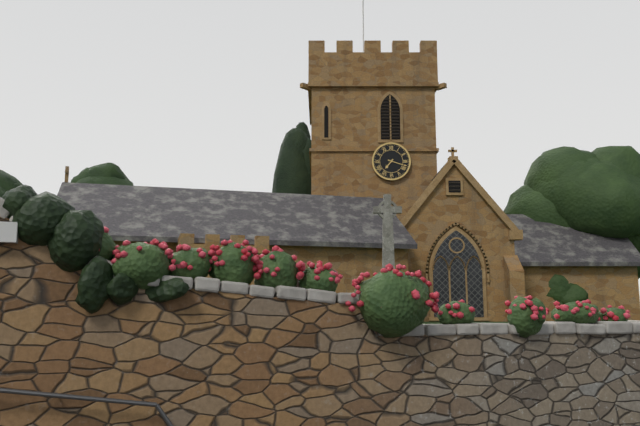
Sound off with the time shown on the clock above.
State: 7:18
